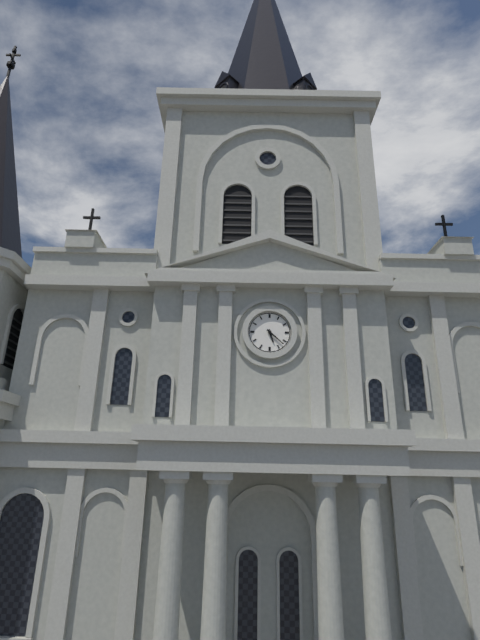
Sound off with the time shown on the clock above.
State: 5:22
